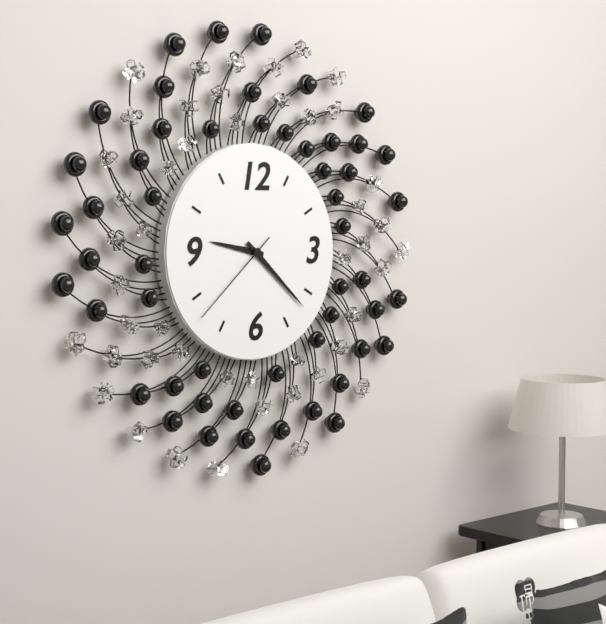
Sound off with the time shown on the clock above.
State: 9:22:38
